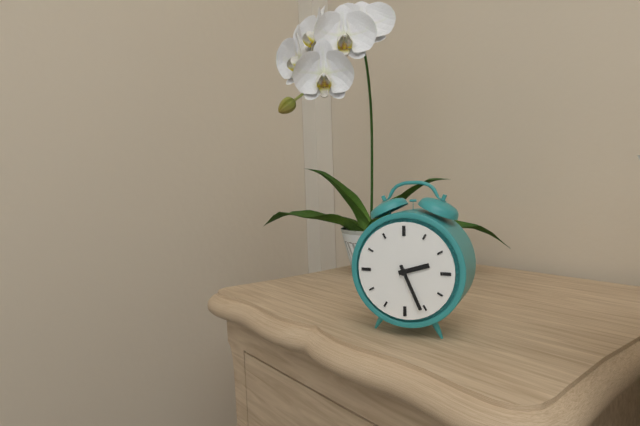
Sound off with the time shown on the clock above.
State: 2:26
